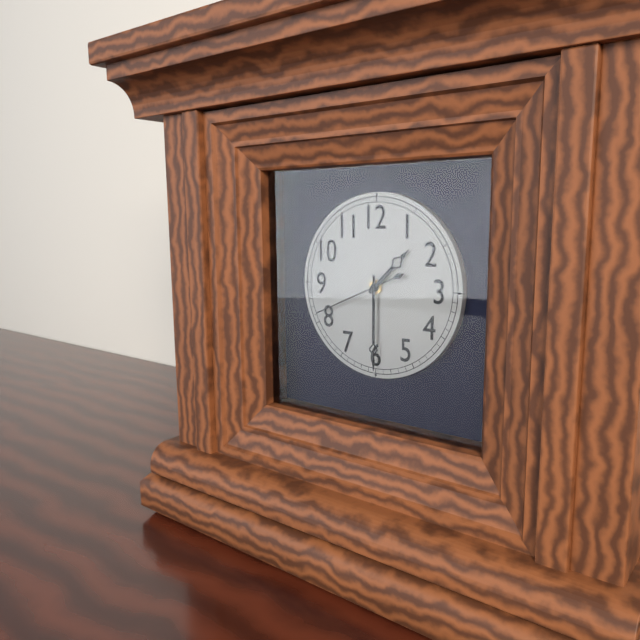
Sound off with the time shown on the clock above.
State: 1:30:41
